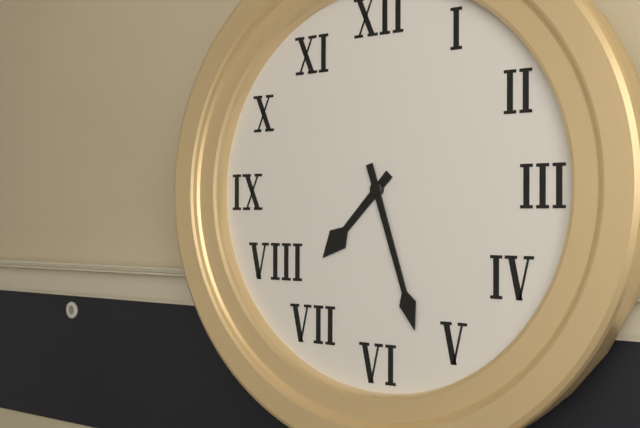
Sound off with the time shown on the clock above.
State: 7:27
